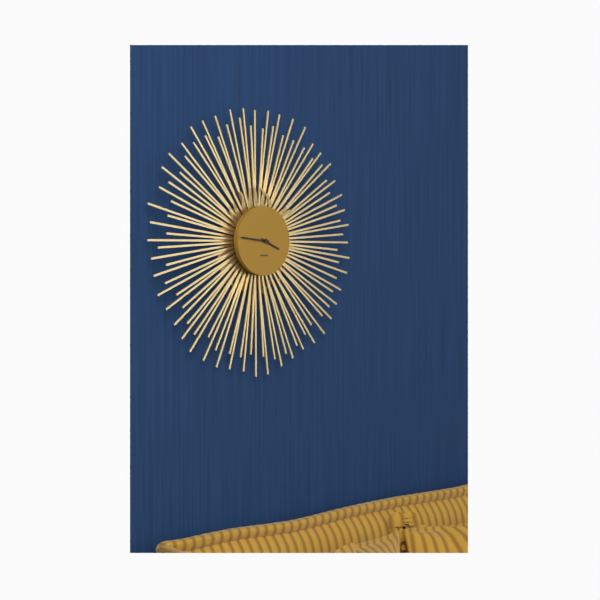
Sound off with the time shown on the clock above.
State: 3:46
